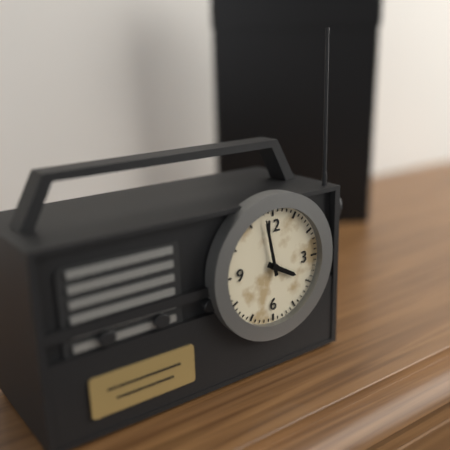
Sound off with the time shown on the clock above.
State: 3:58
